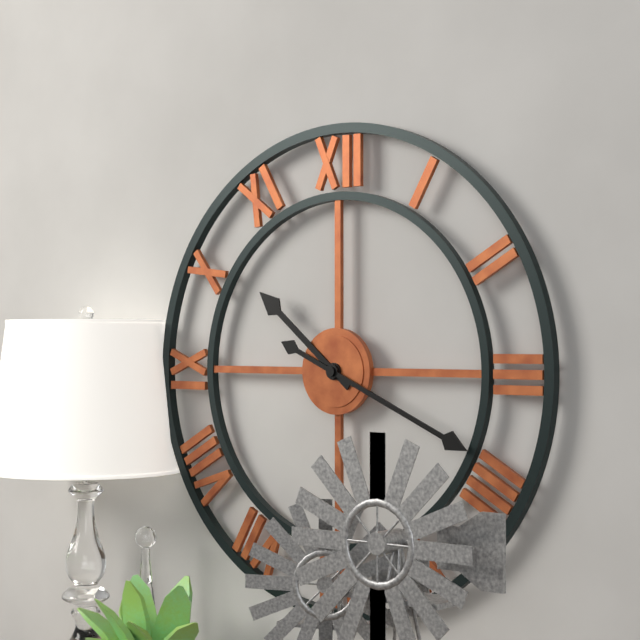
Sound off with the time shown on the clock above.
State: 10:19
